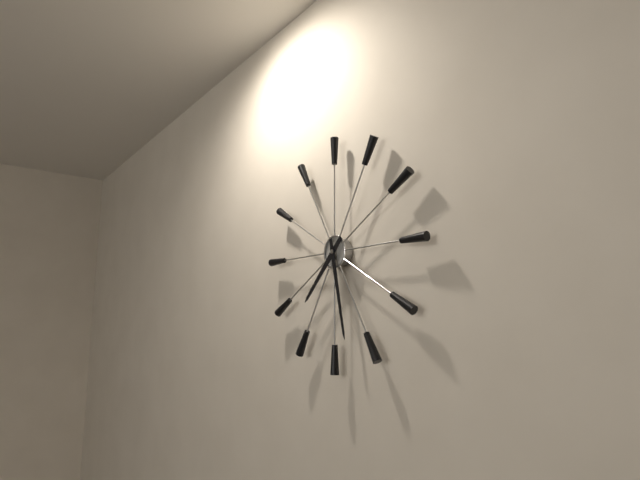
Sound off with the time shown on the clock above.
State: 7:28
